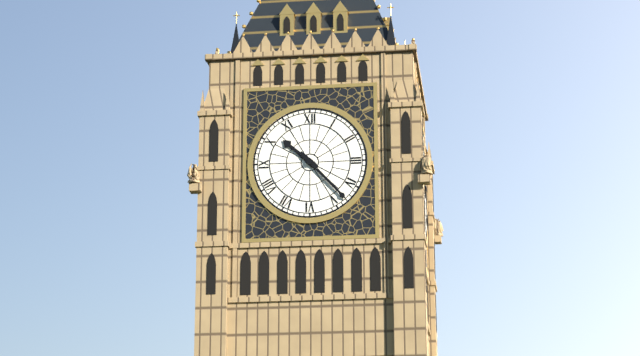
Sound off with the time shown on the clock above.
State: 10:23
